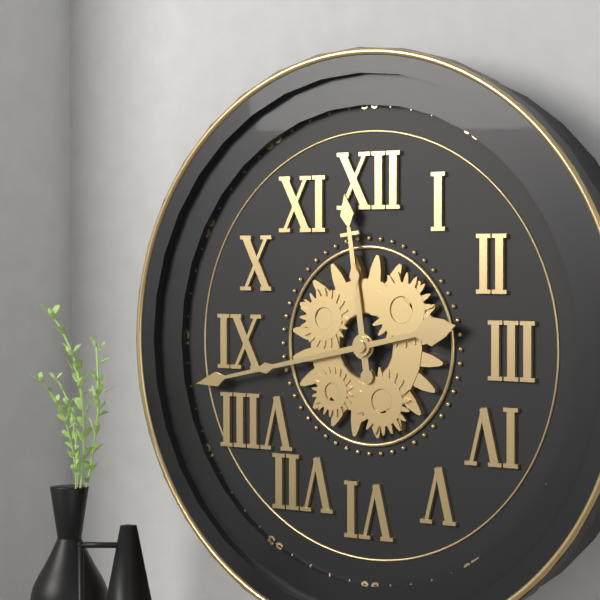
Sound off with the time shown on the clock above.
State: 11:43
